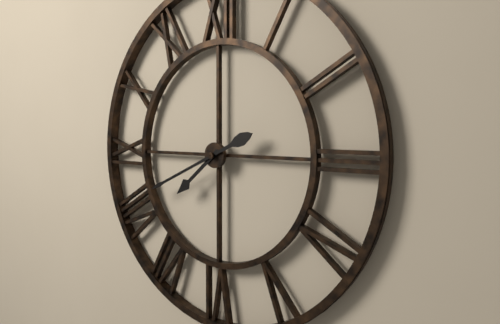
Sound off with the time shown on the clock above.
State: 7:41
